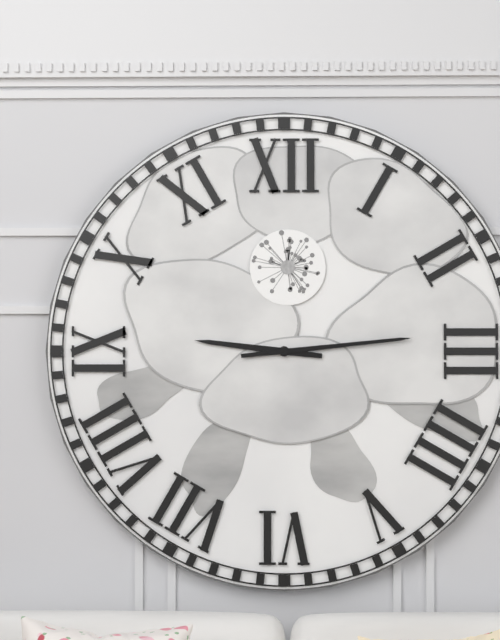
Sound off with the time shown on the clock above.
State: 9:14
